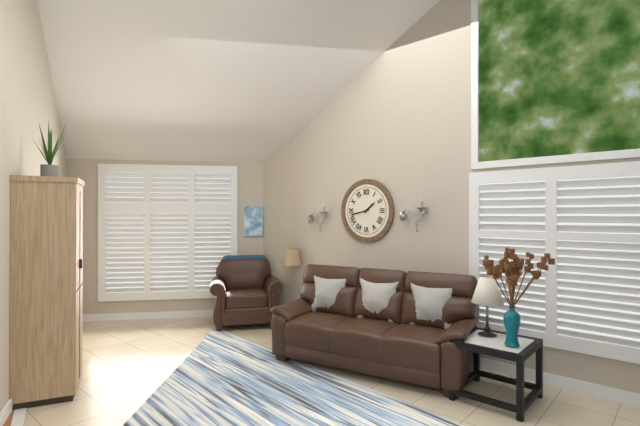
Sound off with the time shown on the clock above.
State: 1:43
